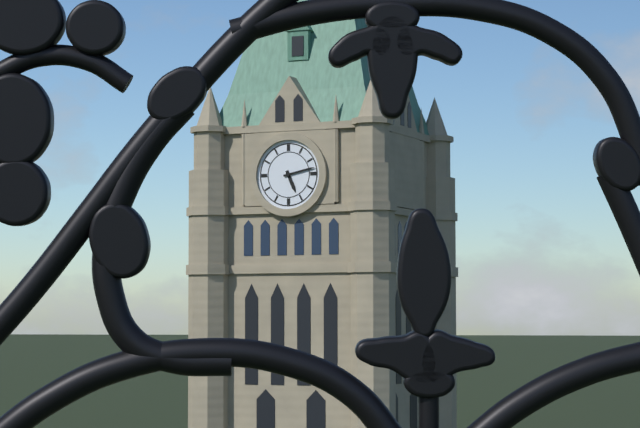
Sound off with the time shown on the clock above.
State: 5:13
